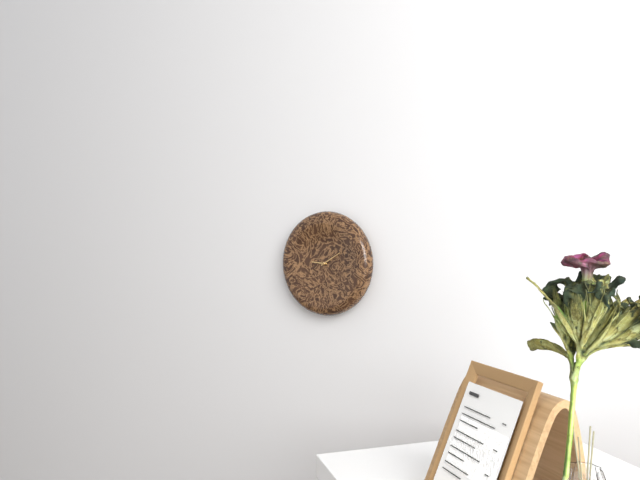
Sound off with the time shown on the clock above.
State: 9:10
